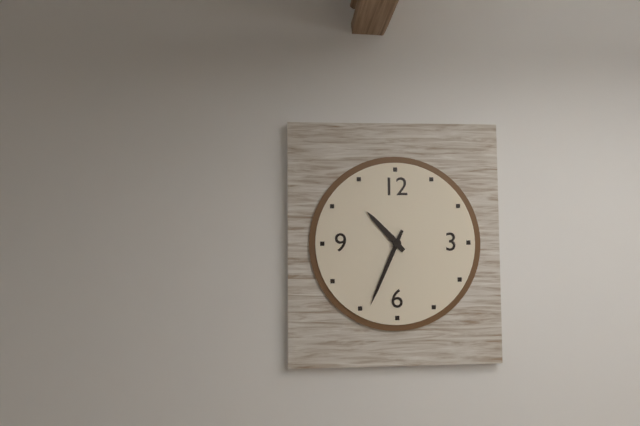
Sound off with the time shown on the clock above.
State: 10:34
